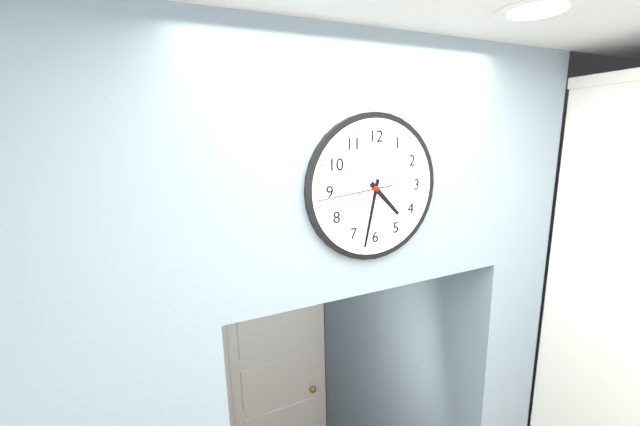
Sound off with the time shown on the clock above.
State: 4:32:44
